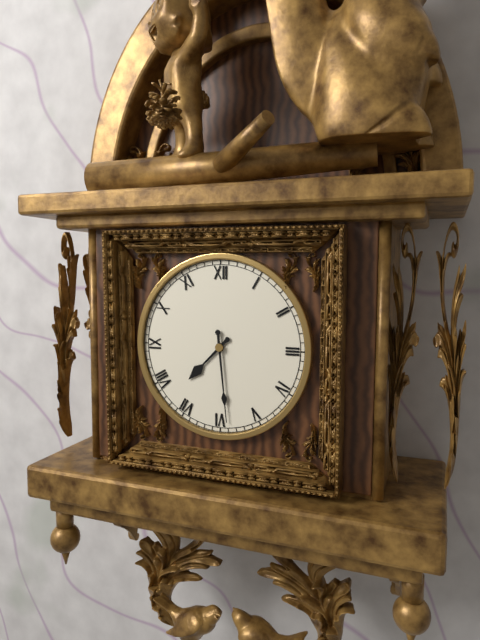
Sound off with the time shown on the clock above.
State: 7:29
